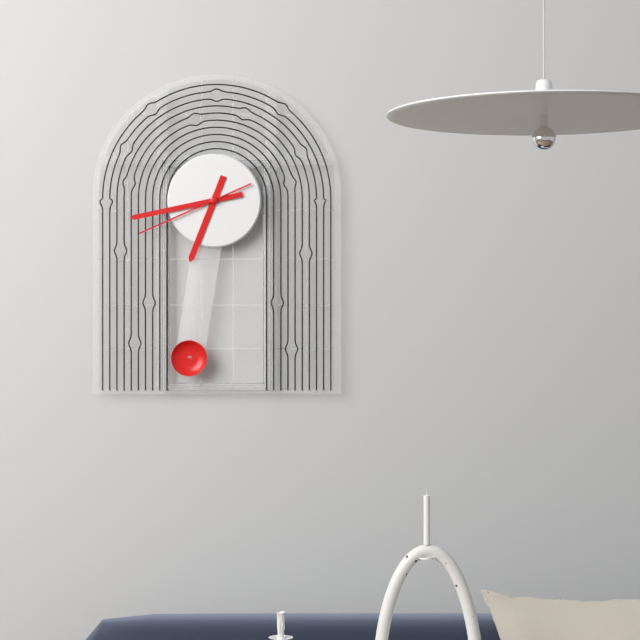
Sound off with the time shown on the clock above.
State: 6:43:41
